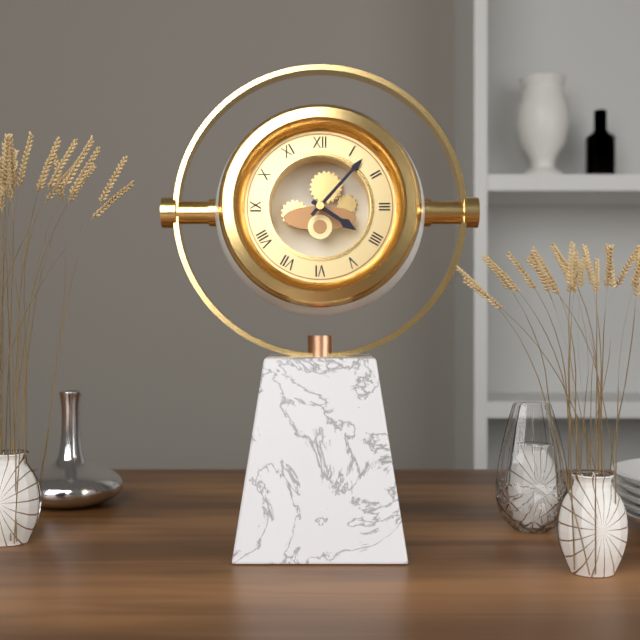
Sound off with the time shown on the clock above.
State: 4:07
